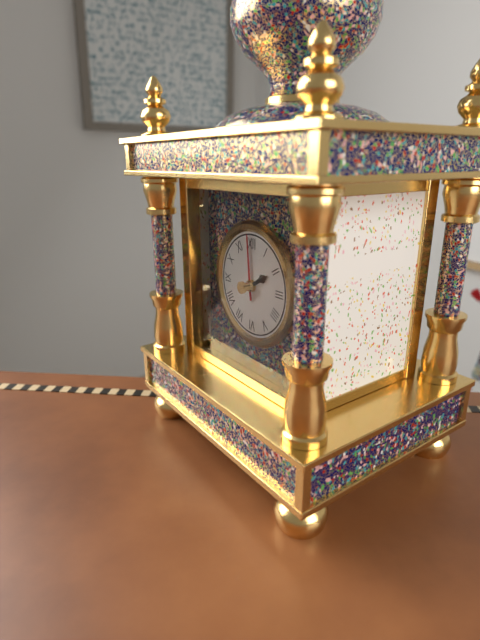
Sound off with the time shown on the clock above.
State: 1:59
